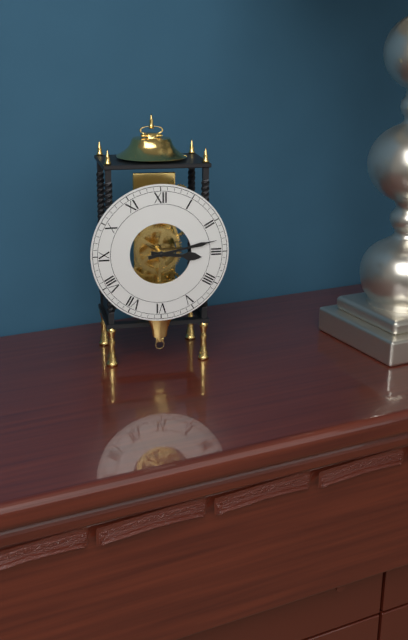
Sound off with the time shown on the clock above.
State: 3:13
